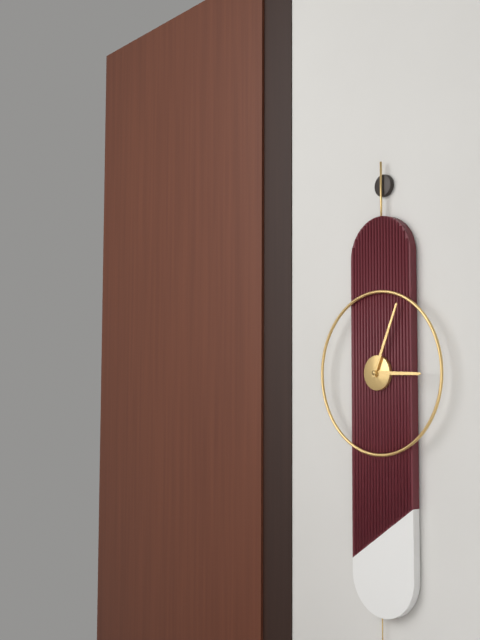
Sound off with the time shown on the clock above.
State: 3:04
